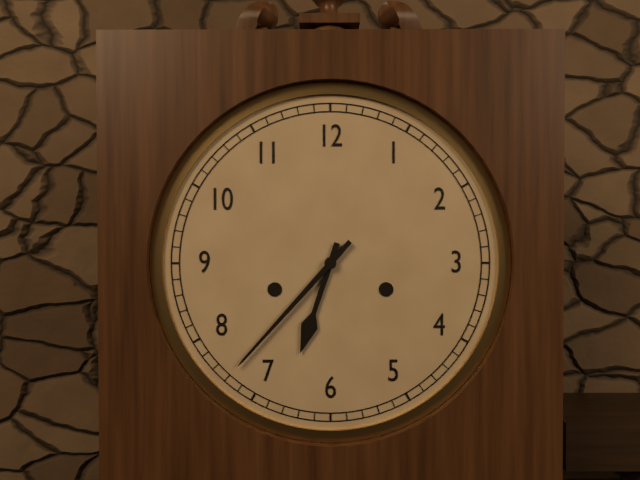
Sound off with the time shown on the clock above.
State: 6:37
